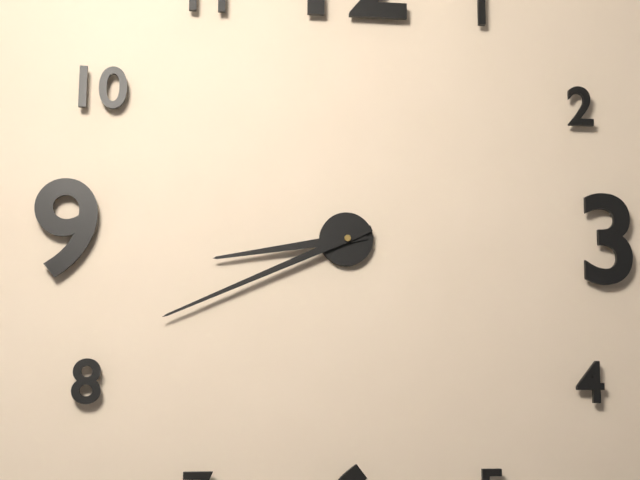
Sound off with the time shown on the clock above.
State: 8:41
